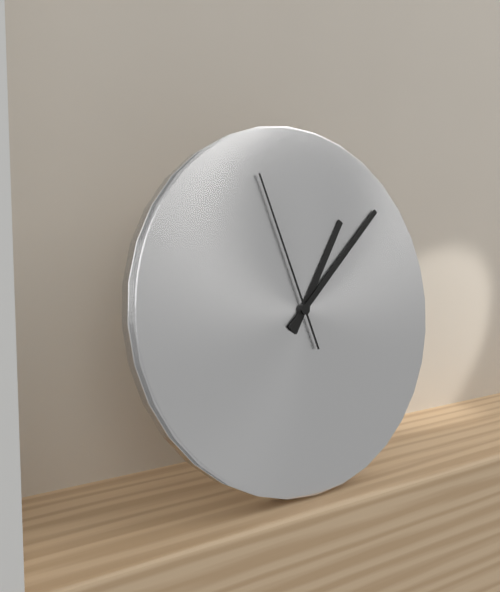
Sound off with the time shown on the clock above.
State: 1:08:57
